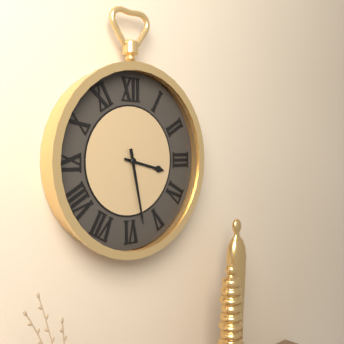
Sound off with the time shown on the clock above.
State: 3:28
